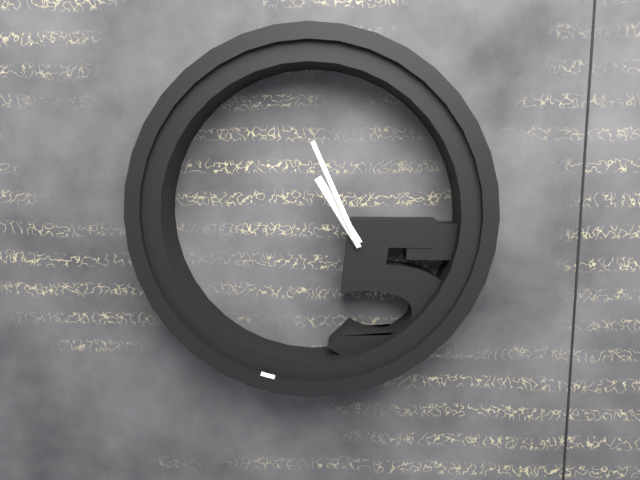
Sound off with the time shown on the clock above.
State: 10:56
